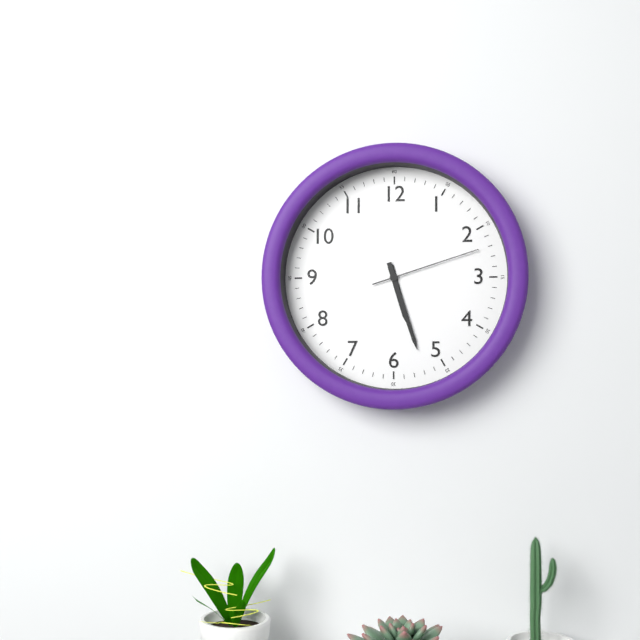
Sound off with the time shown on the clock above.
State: 5:27:12
